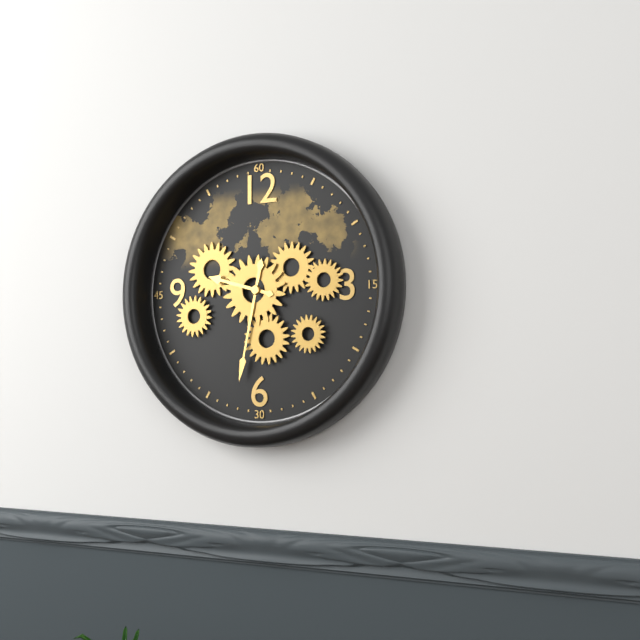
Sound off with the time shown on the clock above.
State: 9:32
